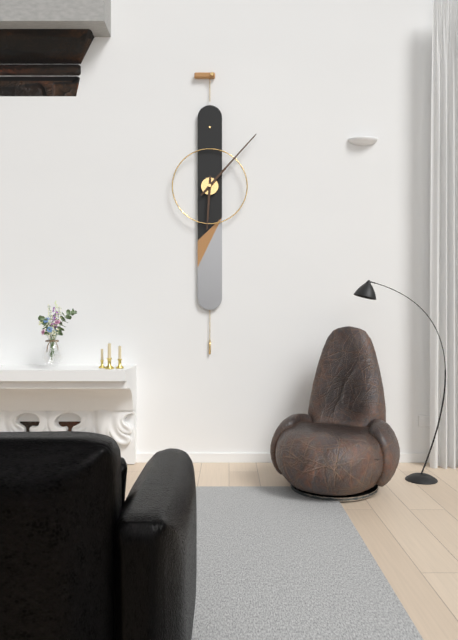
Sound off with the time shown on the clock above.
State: 6:07
